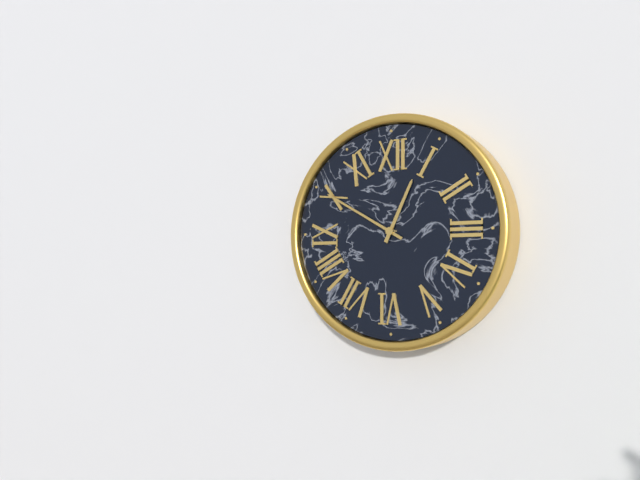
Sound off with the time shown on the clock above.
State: 12:50
